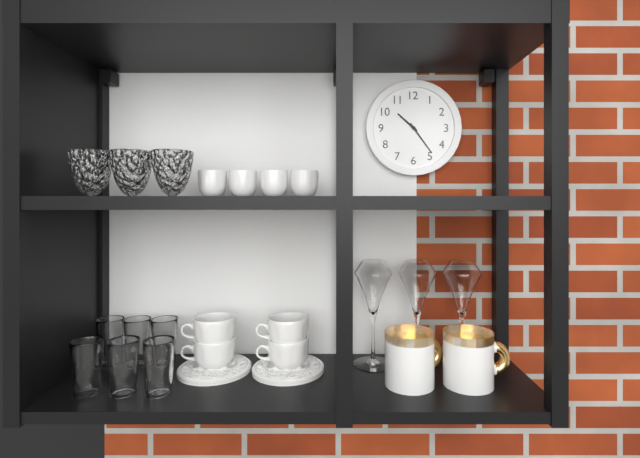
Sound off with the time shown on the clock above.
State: 10:24
